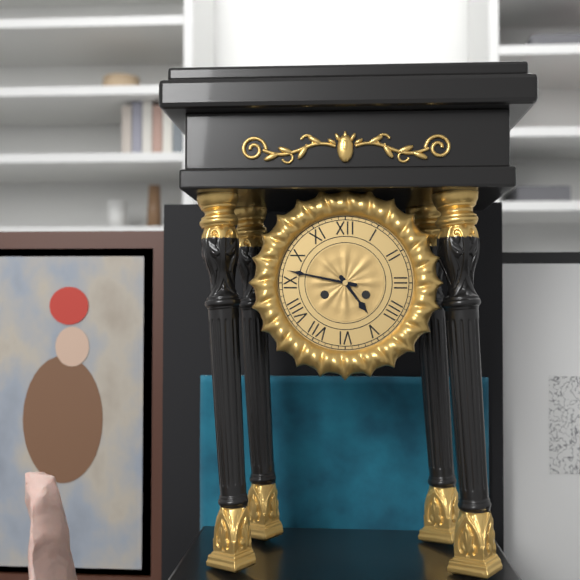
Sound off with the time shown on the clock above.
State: 4:47
